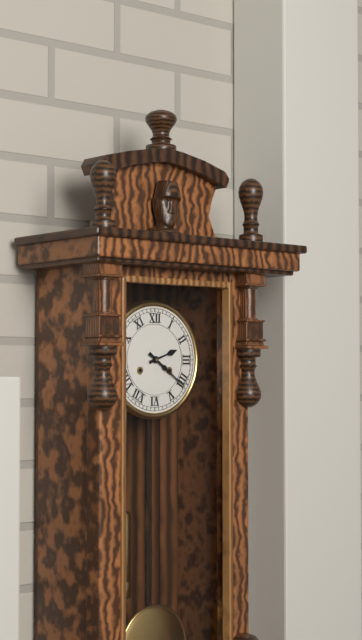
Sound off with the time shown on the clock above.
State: 2:21
